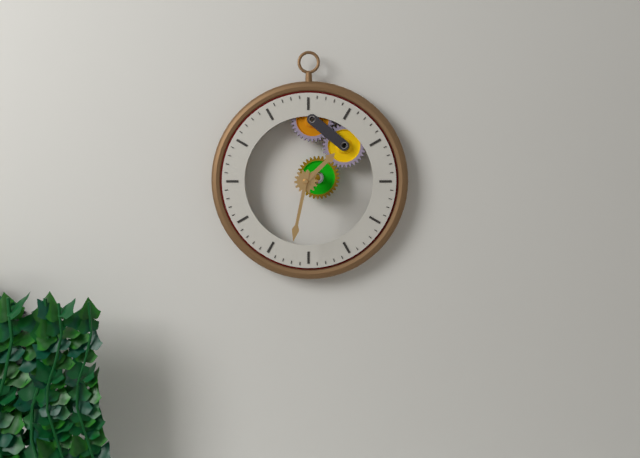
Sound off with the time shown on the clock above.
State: 1:32
